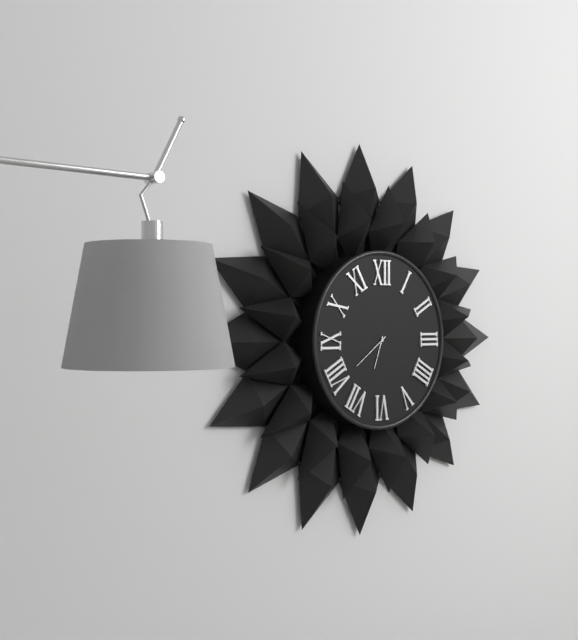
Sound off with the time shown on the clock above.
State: 6:39
